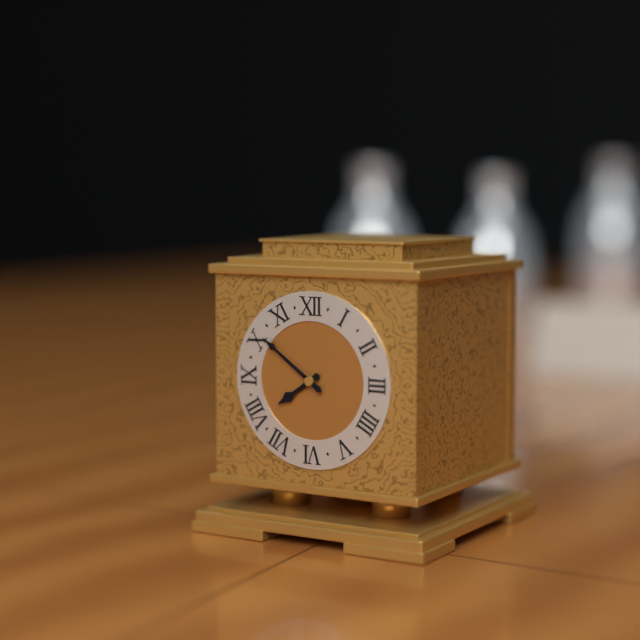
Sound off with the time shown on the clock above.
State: 7:51
